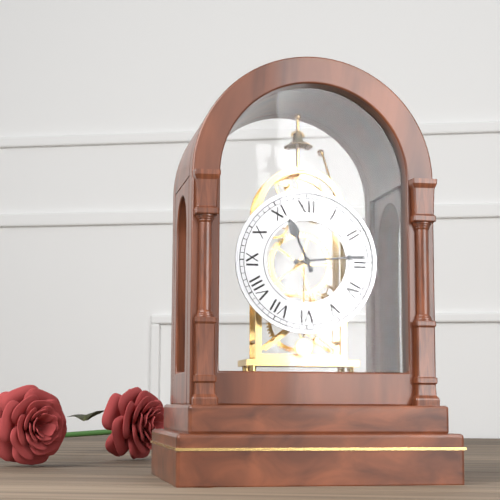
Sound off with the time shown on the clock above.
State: 11:14
